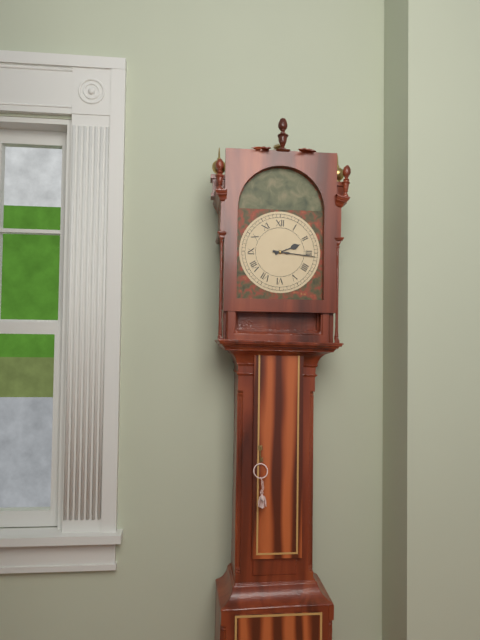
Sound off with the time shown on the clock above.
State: 2:16
